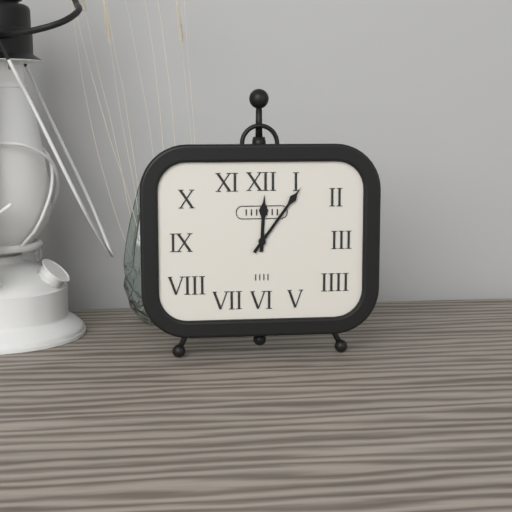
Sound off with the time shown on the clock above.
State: 12:06
